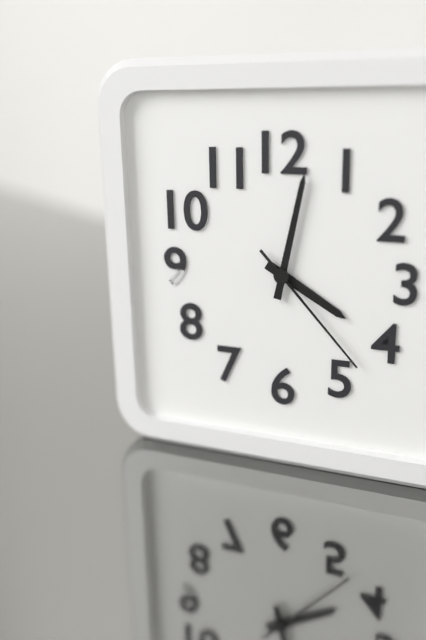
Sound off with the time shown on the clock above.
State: 4:02:23
